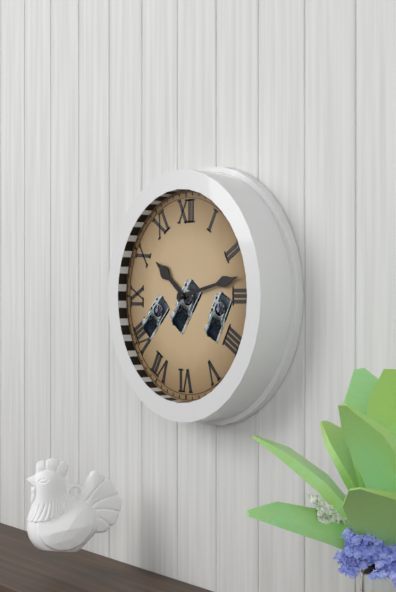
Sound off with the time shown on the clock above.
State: 10:13
